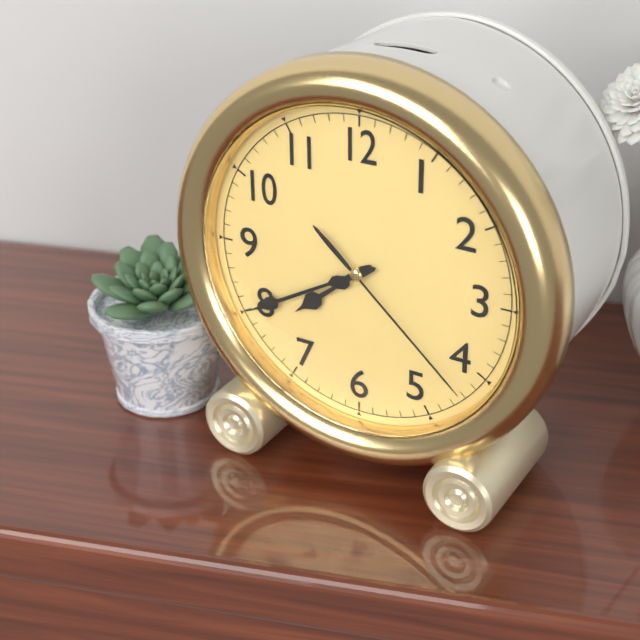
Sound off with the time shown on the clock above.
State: 7:40:22
